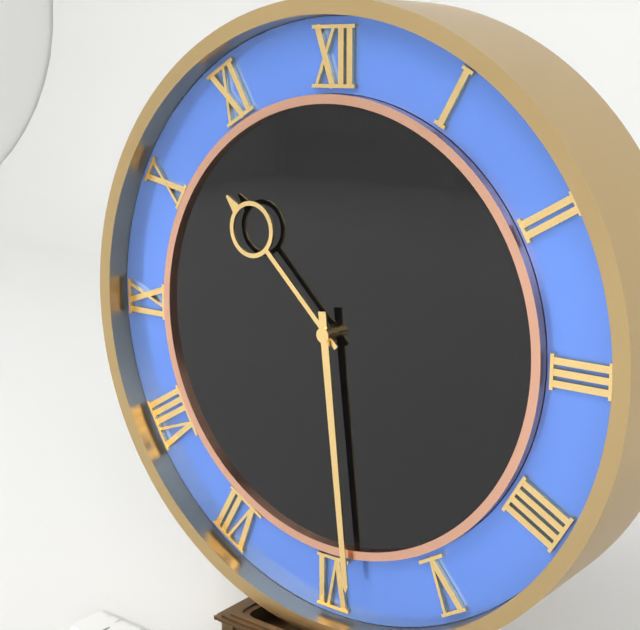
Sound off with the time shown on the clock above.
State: 10:29
